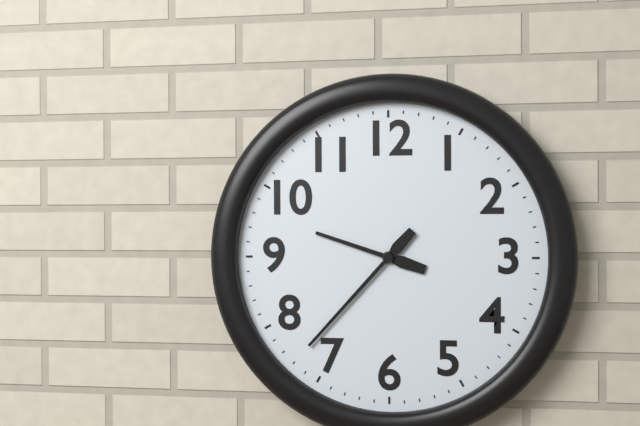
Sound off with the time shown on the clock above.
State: 9:37
